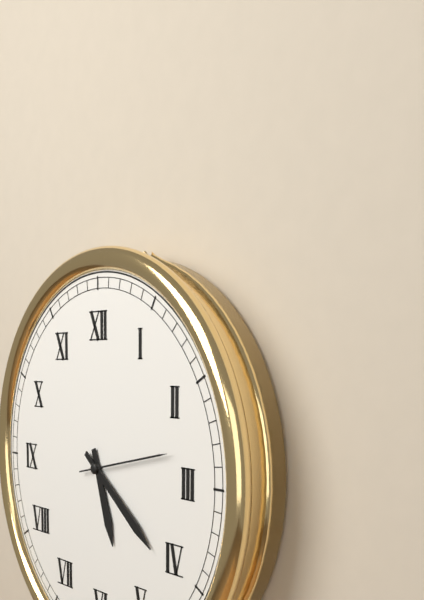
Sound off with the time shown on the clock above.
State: 5:21
